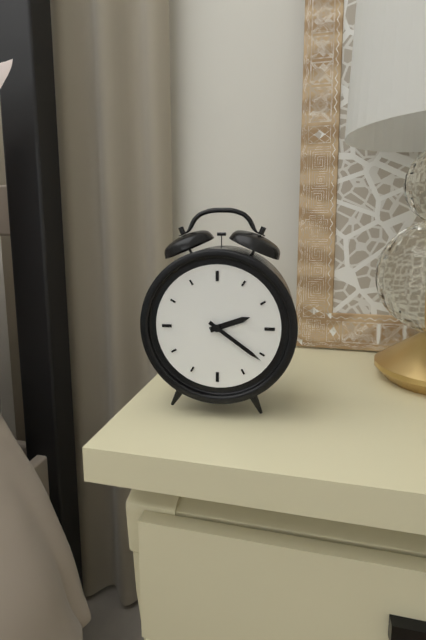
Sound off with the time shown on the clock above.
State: 2:21
